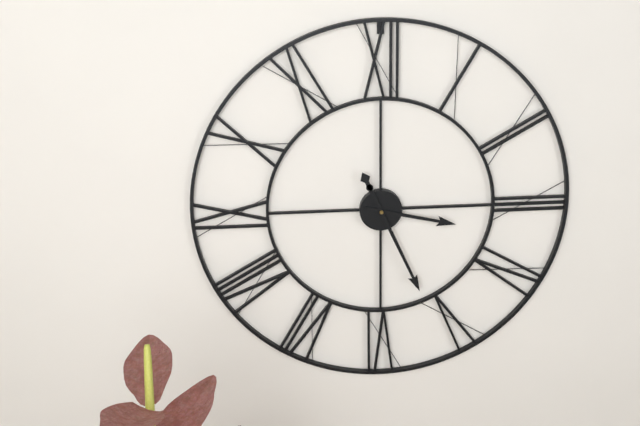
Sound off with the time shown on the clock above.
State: 3:26
